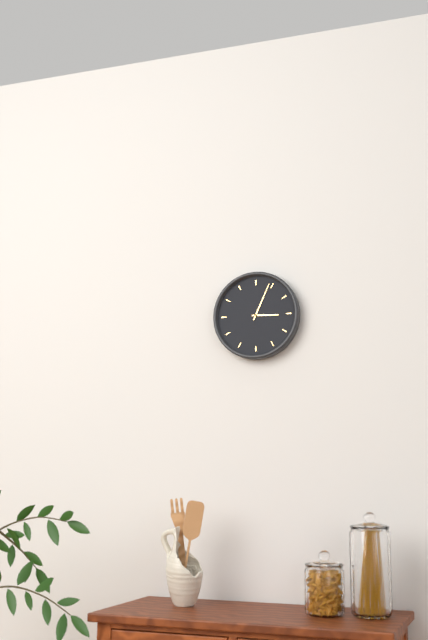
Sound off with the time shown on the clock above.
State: 3:04
